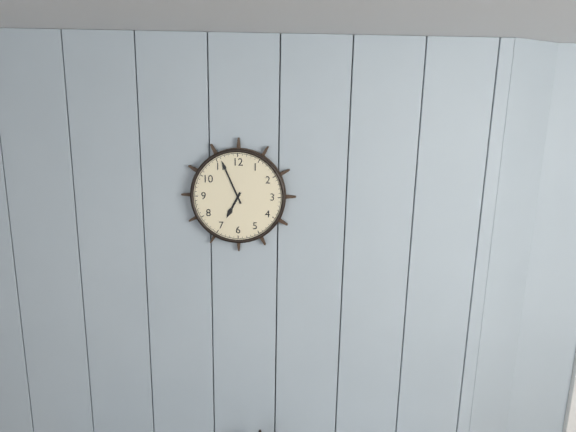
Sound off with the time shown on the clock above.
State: 6:56
